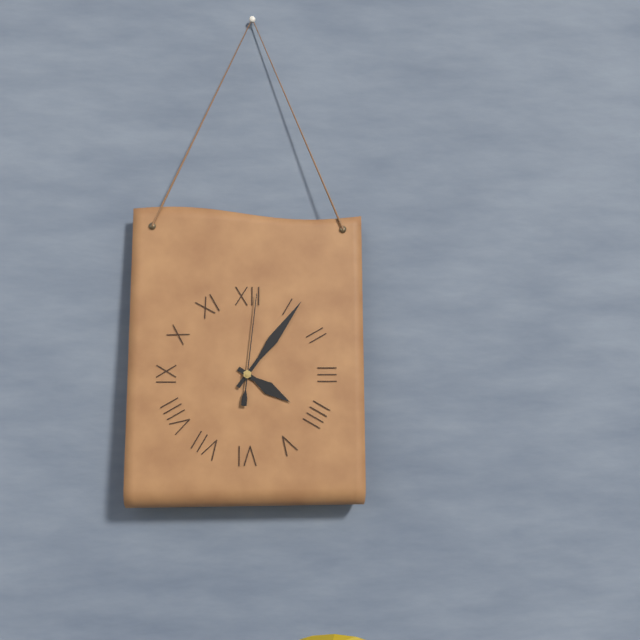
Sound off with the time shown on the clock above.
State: 4:06:01
